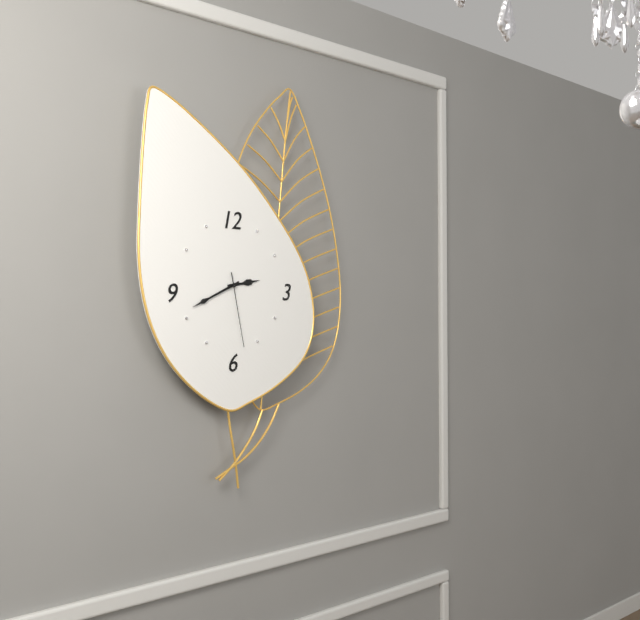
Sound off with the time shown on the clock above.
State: 2:41:28
